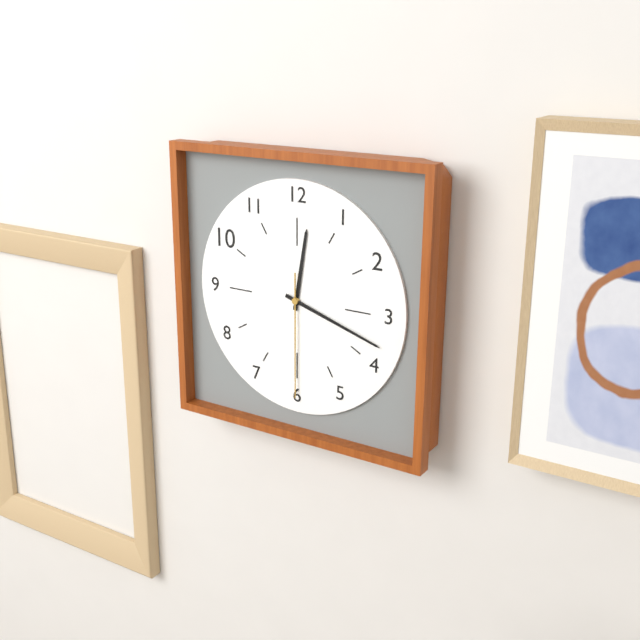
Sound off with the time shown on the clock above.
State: 12:18:30
